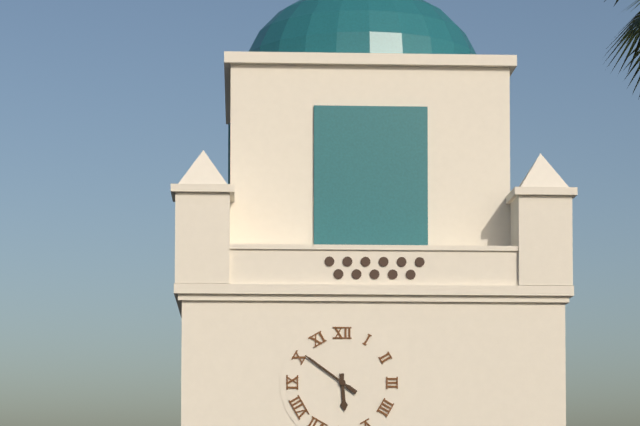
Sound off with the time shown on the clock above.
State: 5:51
